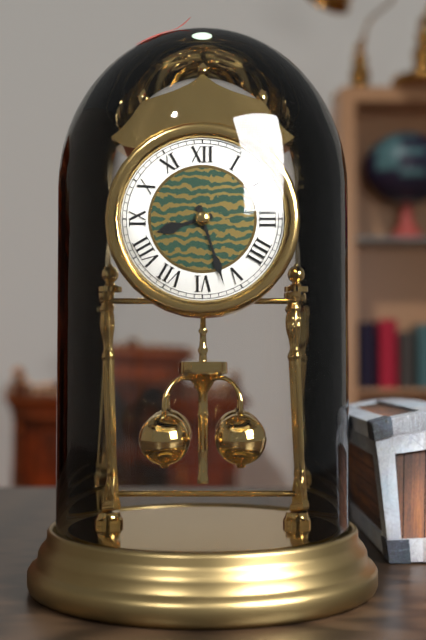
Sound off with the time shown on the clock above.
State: 8:27
